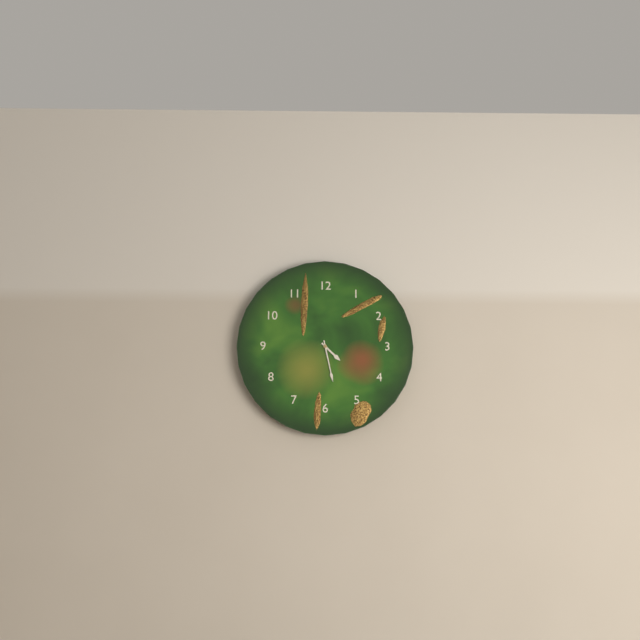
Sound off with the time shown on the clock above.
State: 4:28
